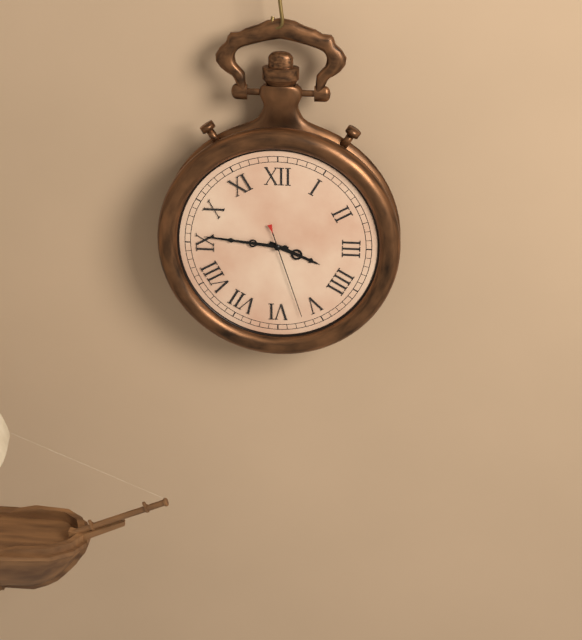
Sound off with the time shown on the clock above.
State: 3:46:27
